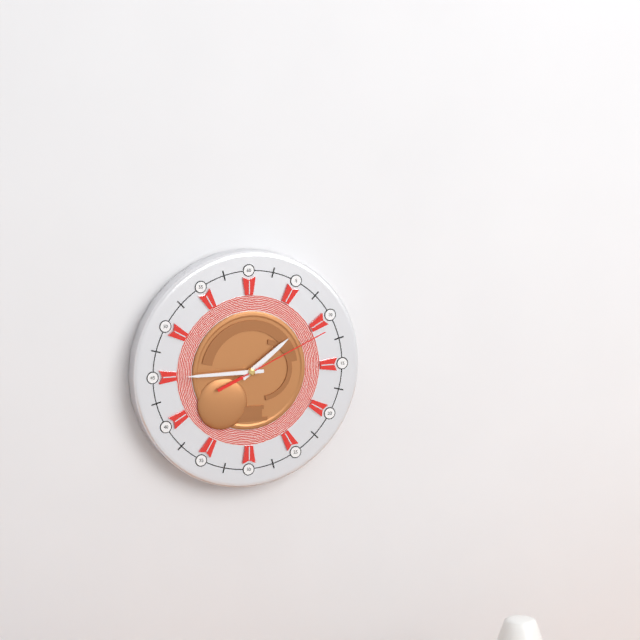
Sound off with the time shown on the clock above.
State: 1:45:11
